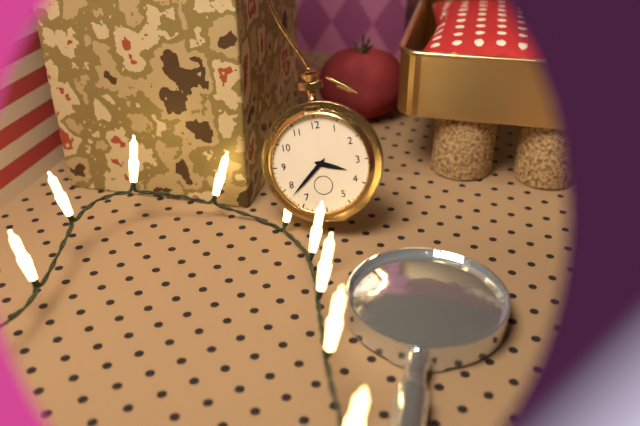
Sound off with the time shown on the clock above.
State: 3:38
